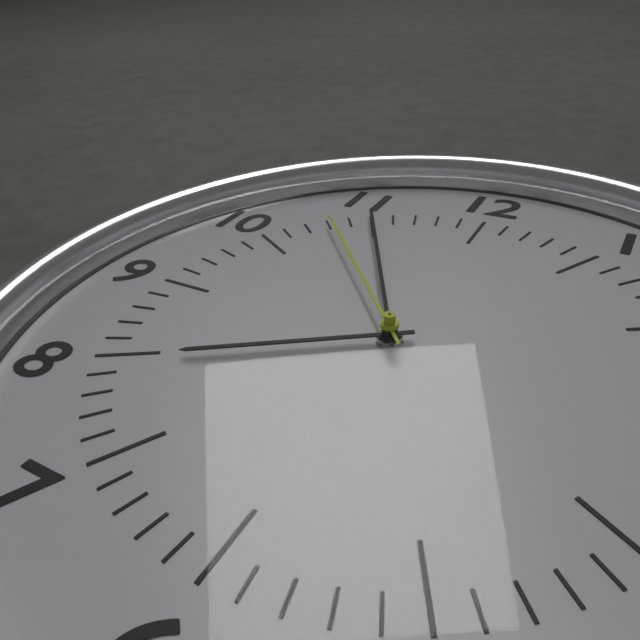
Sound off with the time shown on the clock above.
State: 7:55:53
